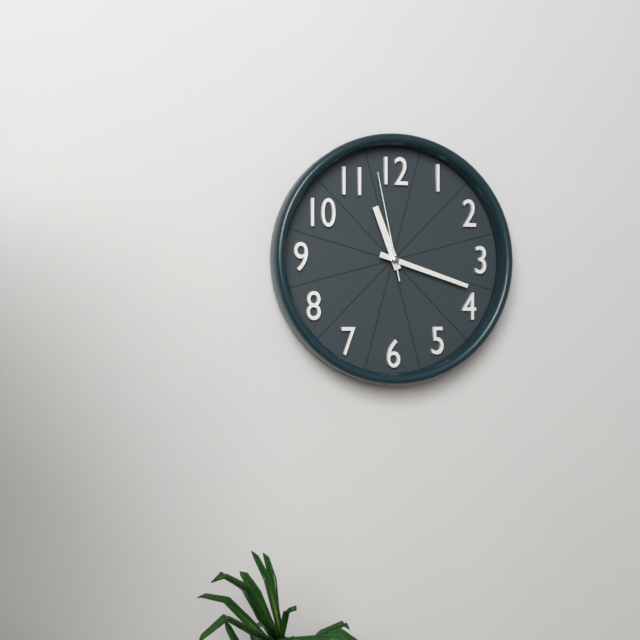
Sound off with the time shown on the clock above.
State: 11:18:58
